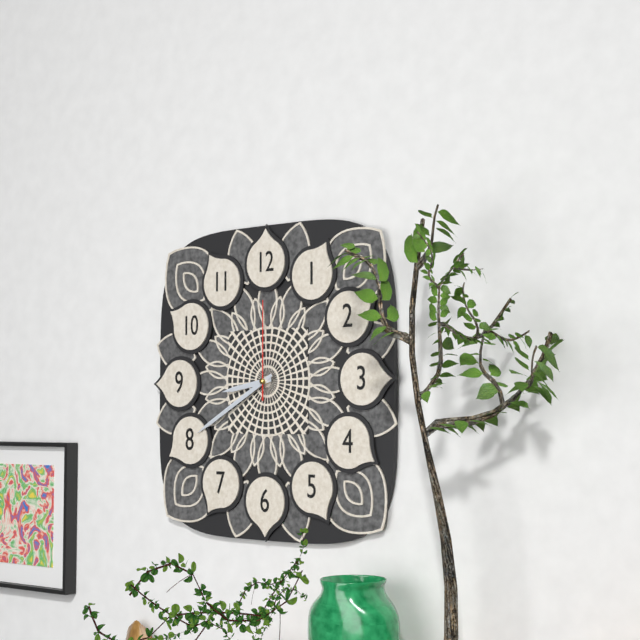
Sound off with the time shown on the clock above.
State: 8:40:00
